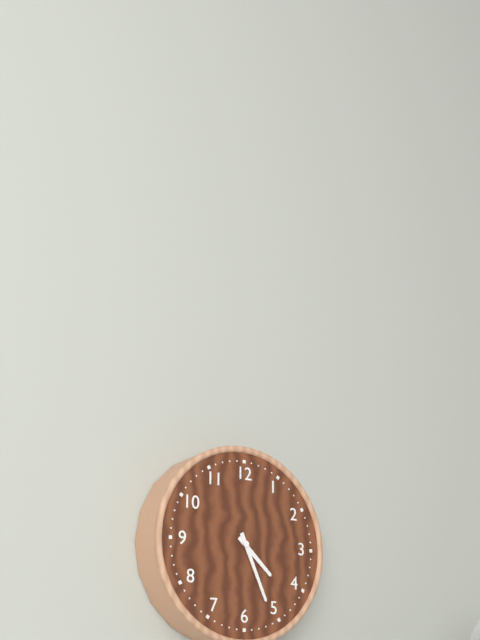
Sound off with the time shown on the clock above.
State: 4:26
